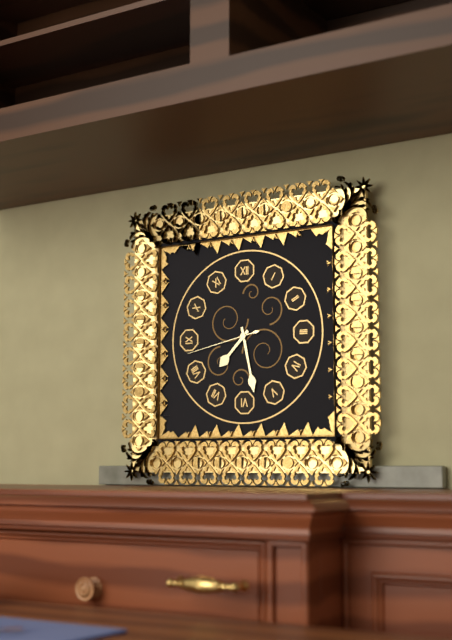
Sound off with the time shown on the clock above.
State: 7:28:43
